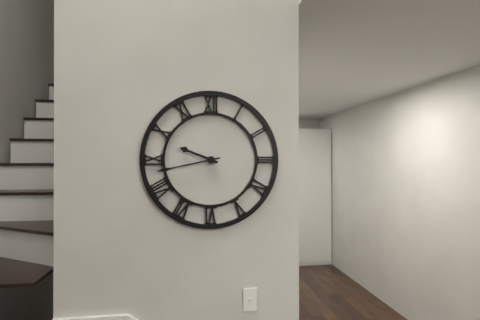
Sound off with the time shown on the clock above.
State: 9:43
